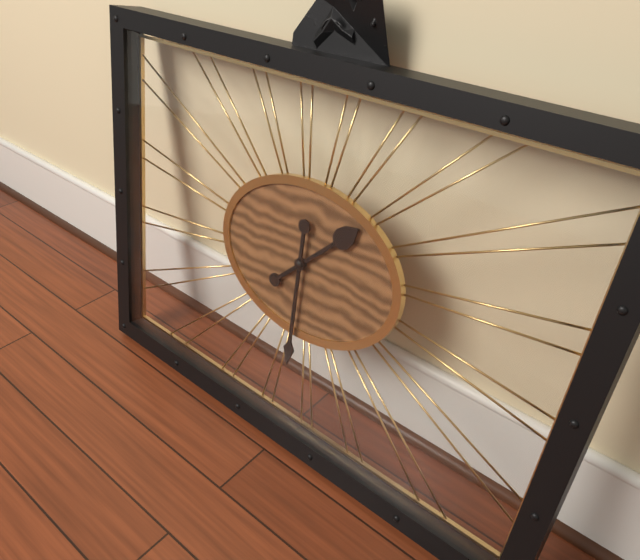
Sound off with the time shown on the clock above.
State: 1:30
